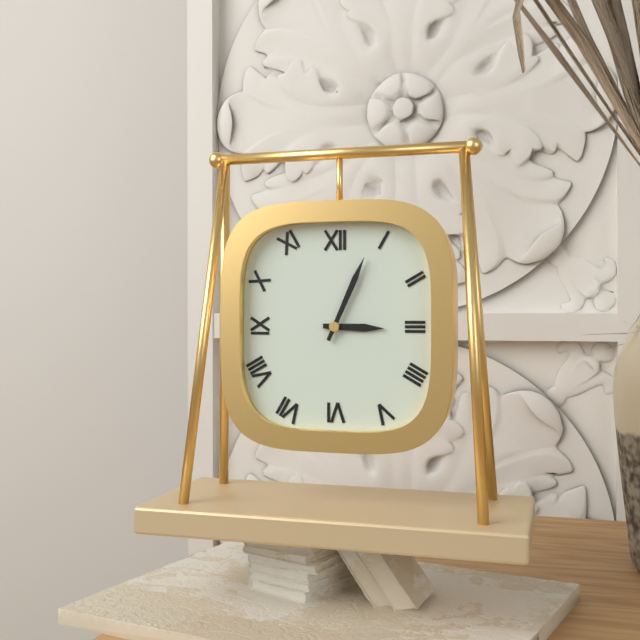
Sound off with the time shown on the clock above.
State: 3:04
